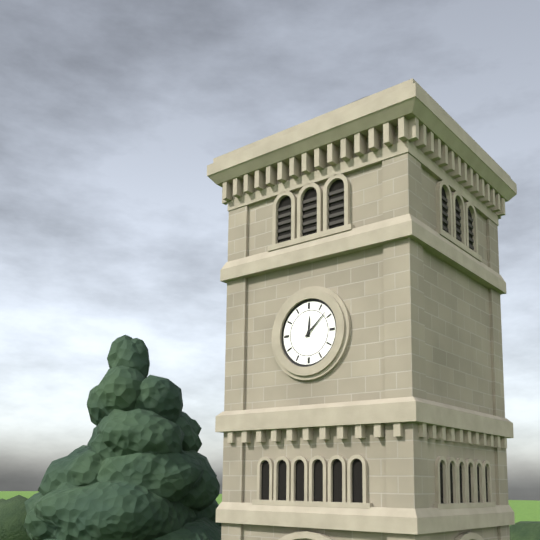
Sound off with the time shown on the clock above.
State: 12:08
